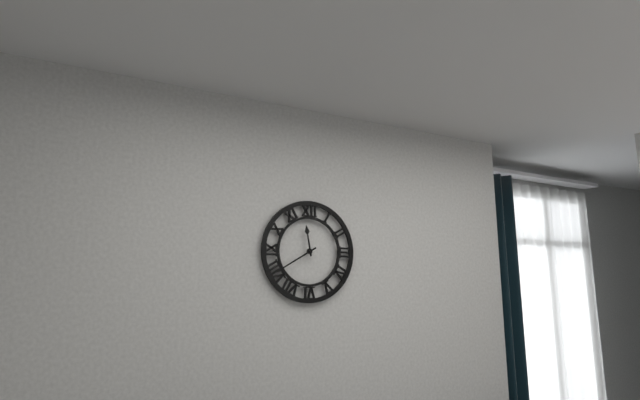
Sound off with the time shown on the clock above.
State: 11:40
